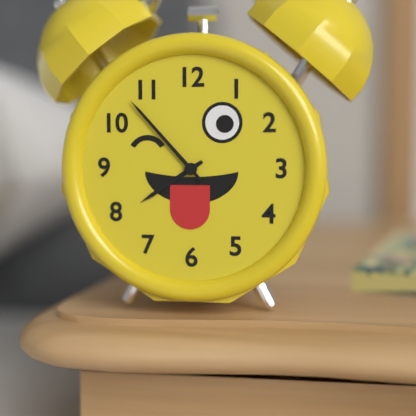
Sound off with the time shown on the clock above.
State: 7:53
